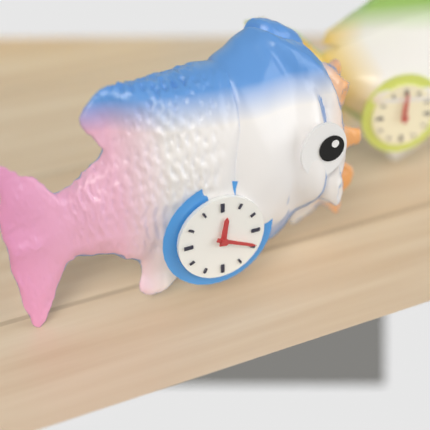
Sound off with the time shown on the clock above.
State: 12:19
